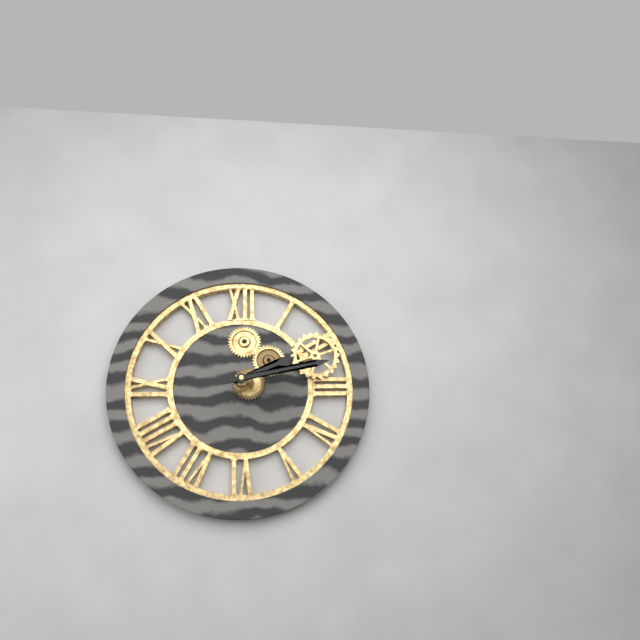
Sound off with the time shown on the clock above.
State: 2:13
